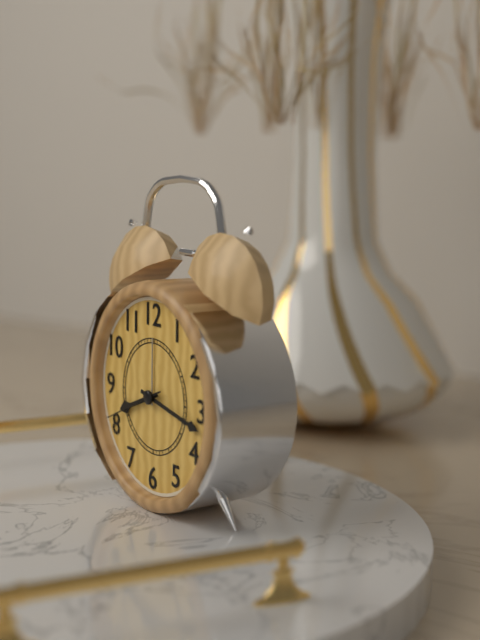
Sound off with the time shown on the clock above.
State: 8:17:41
